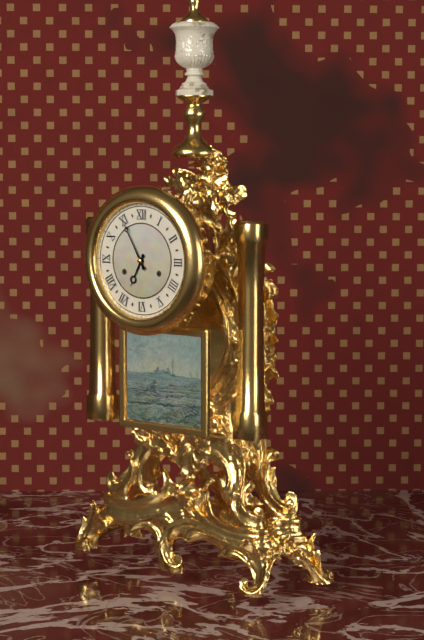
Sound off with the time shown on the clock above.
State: 6:55
